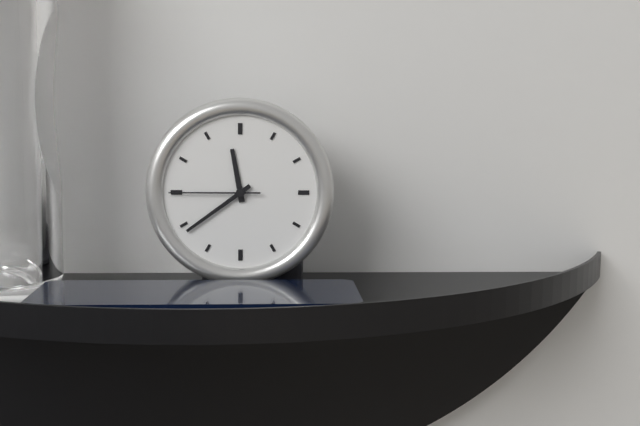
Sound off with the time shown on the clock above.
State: 11:39:45
